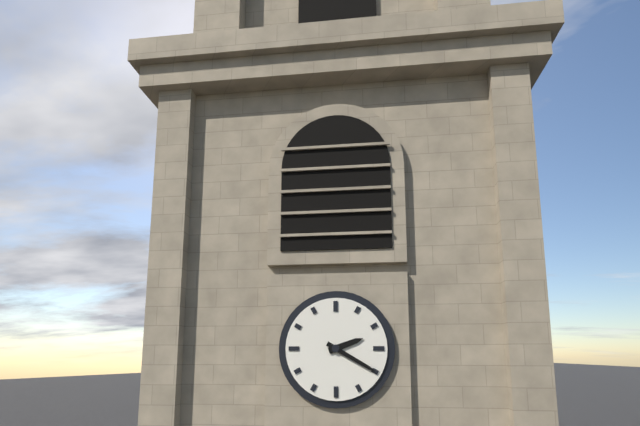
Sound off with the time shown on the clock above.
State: 2:20
